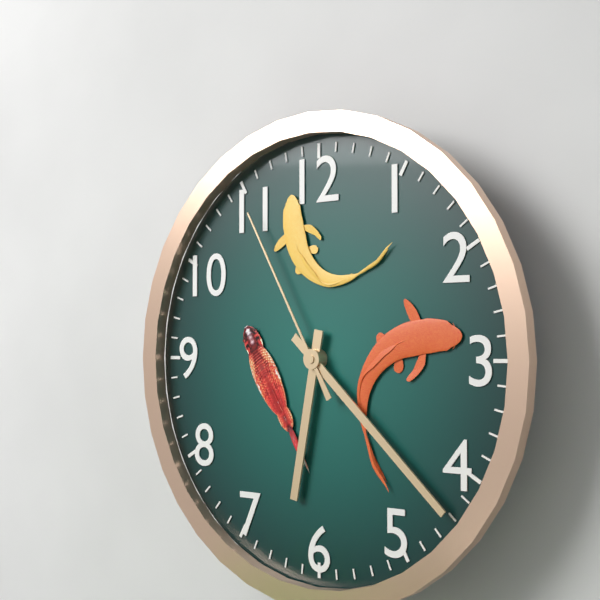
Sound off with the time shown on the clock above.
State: 6:22:55
